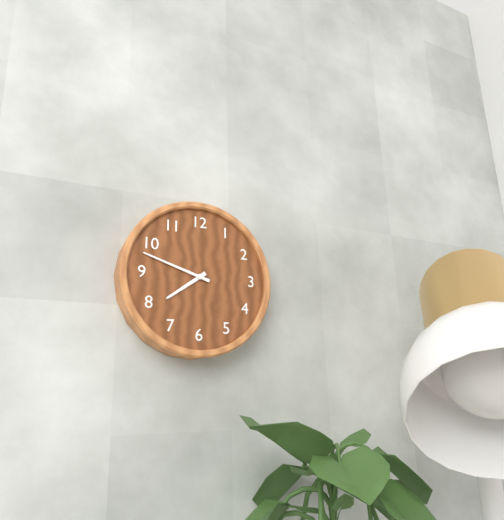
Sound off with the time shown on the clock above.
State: 7:48
